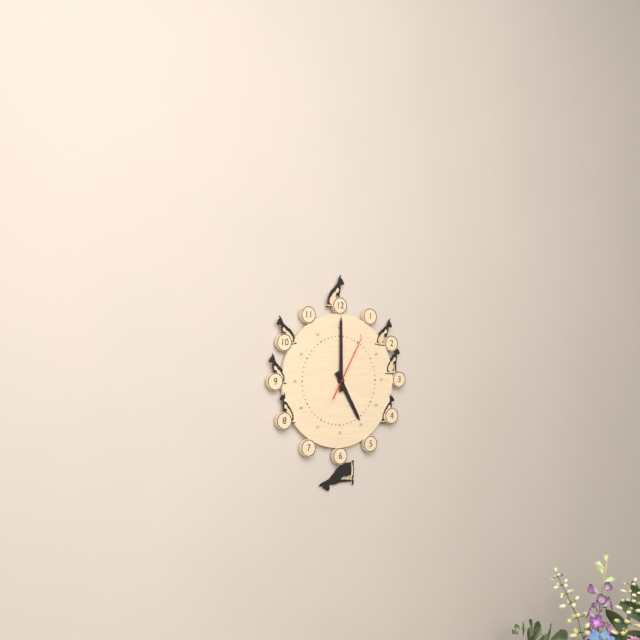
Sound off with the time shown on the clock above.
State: 5:00:05
